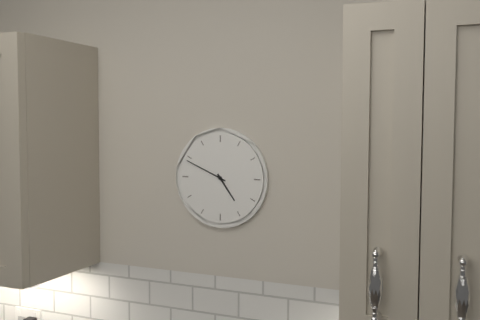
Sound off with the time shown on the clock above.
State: 4:49
